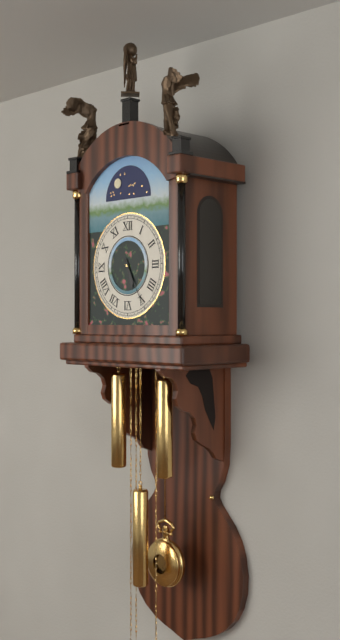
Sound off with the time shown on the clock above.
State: 5:25
